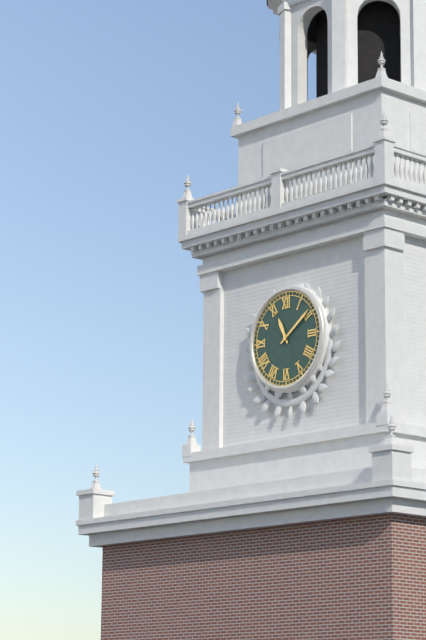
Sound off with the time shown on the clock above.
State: 11:09
